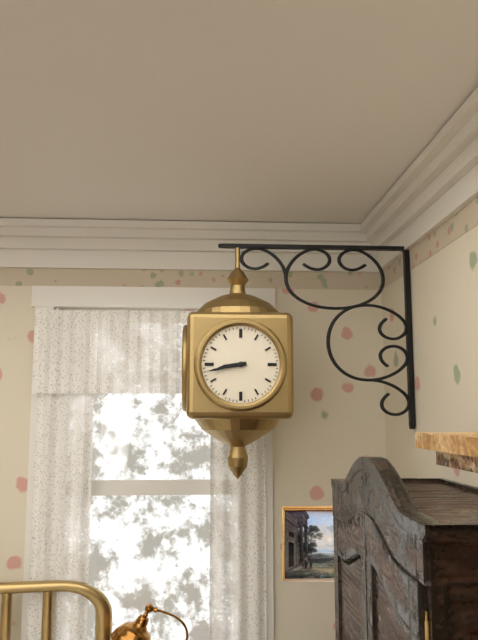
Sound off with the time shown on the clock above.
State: 8:43
